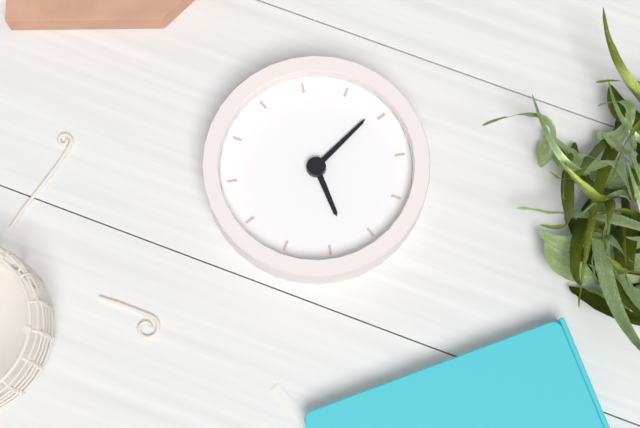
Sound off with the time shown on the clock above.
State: 10:34
